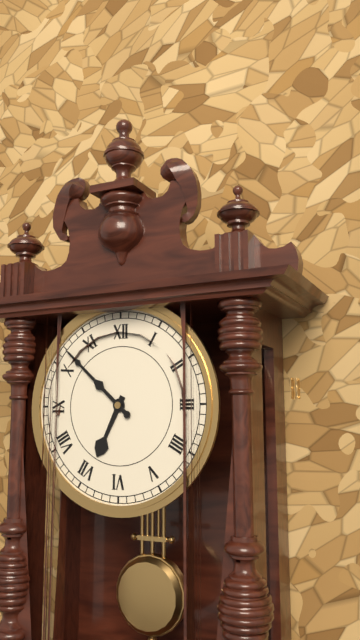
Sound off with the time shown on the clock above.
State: 6:52
